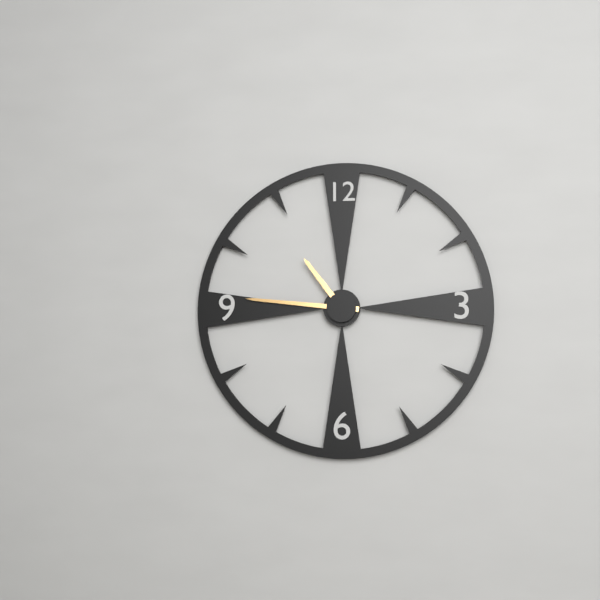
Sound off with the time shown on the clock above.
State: 10:46
